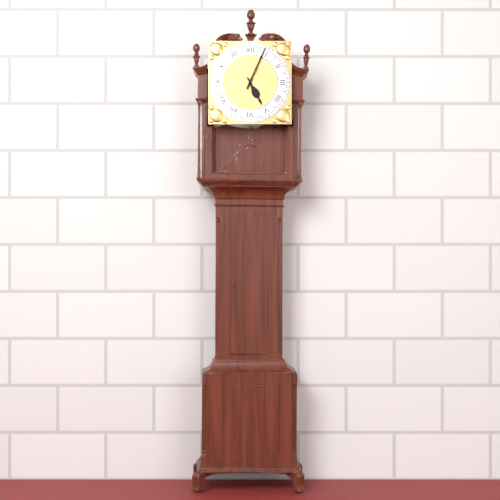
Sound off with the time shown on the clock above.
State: 5:04
